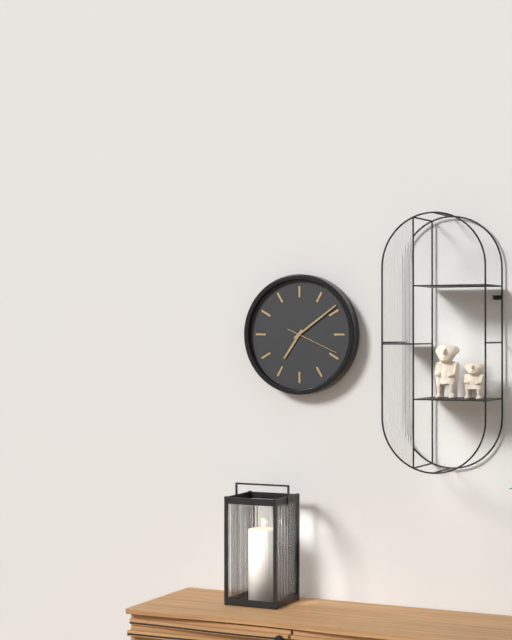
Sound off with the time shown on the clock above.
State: 7:09
